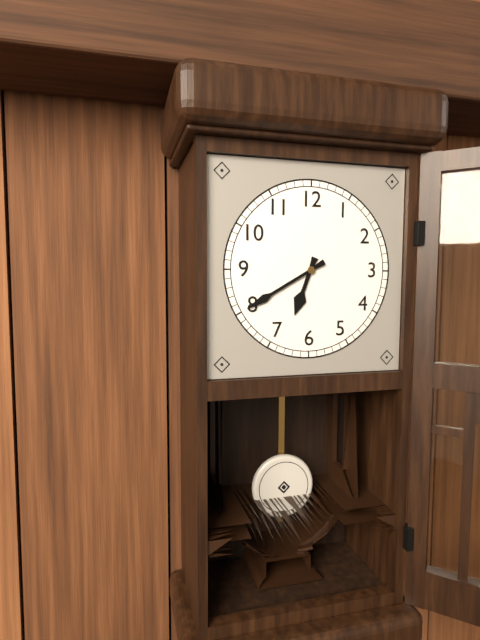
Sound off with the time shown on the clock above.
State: 6:40
